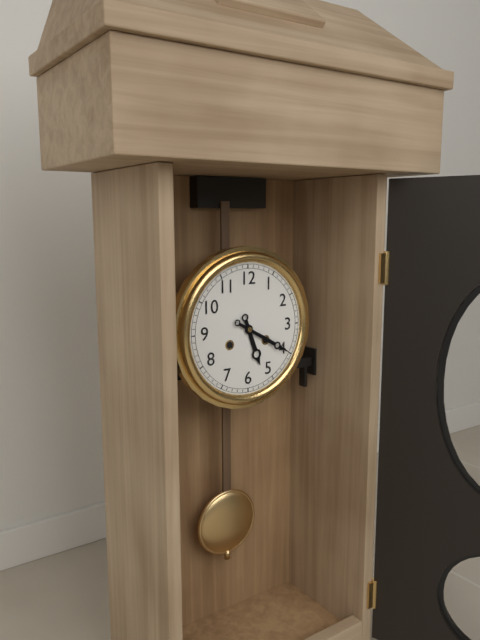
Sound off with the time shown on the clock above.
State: 5:20
